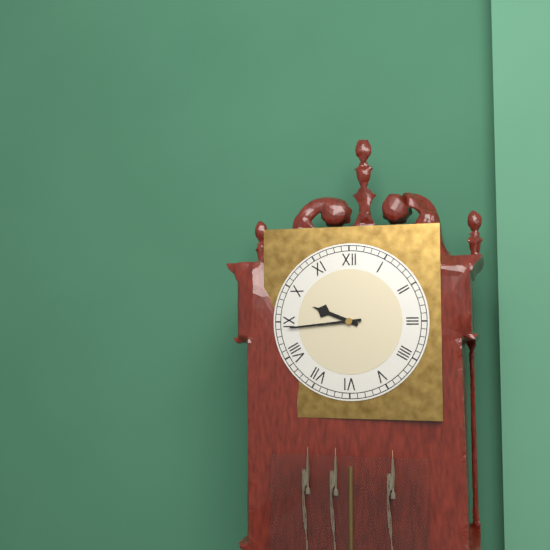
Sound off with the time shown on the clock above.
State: 9:44
